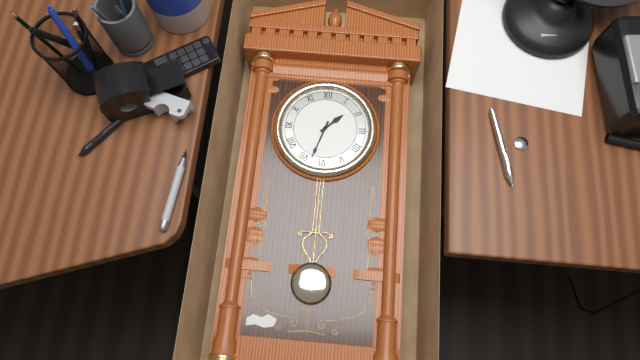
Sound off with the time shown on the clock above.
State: 1:33
